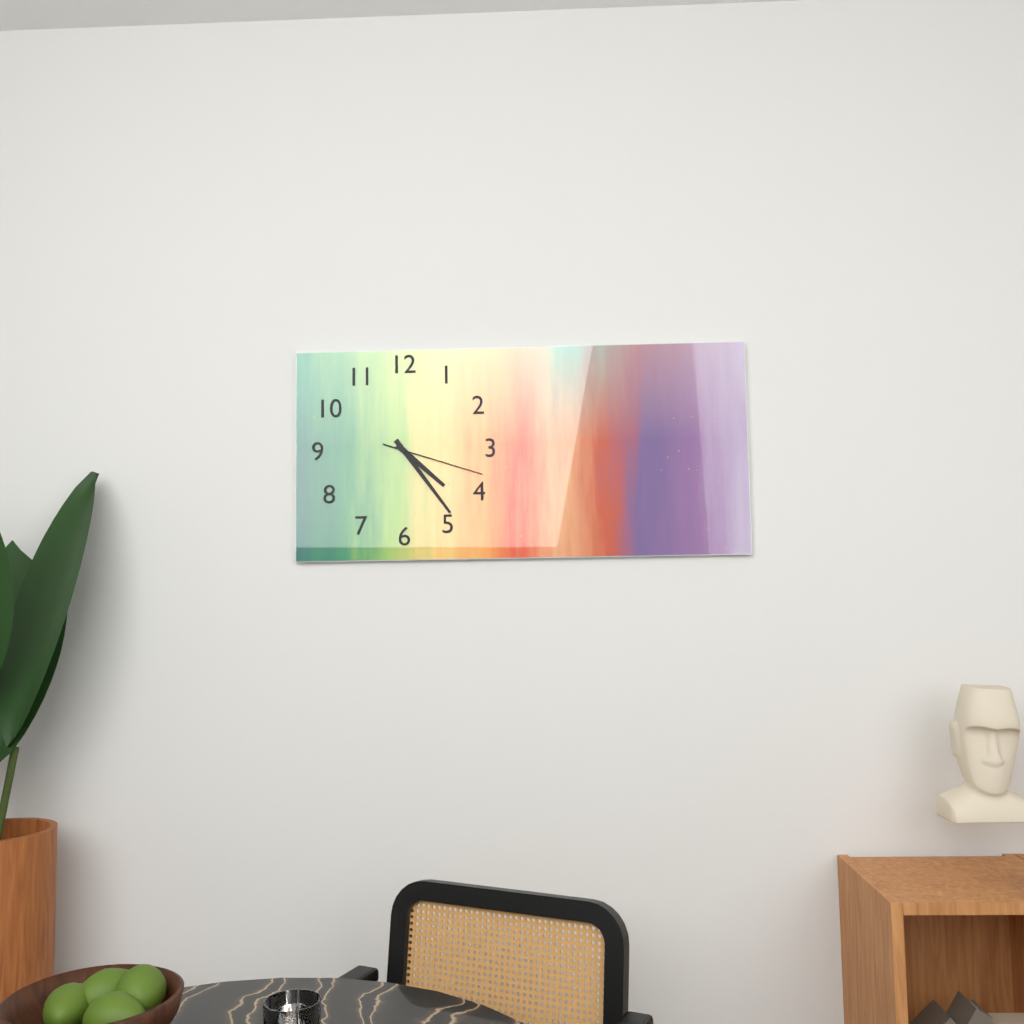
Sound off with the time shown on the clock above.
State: 4:24:18
